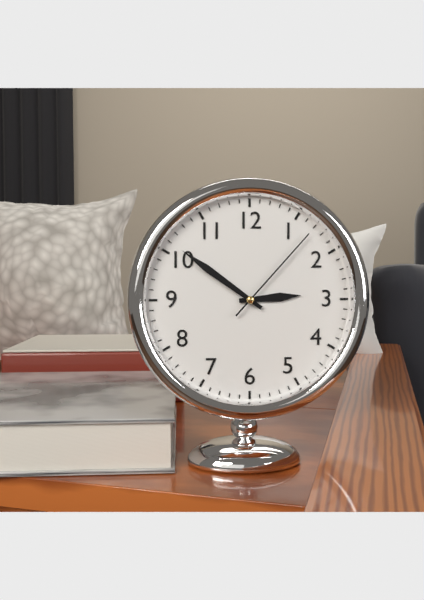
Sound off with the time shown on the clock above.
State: 2:51:07
